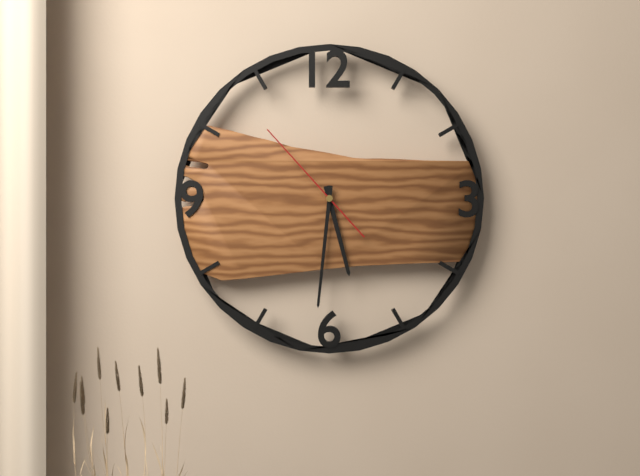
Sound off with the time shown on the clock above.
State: 5:31:53
